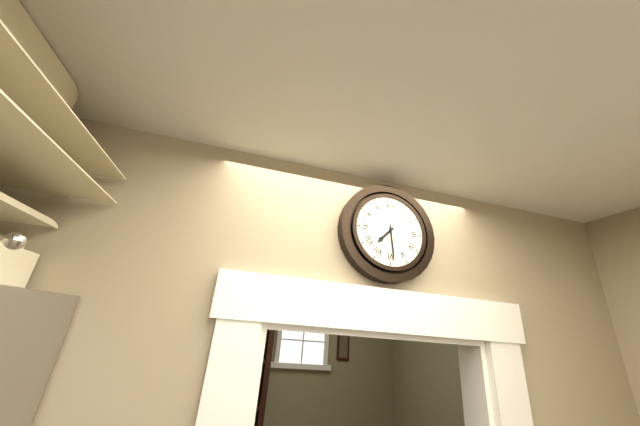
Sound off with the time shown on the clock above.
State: 7:29
